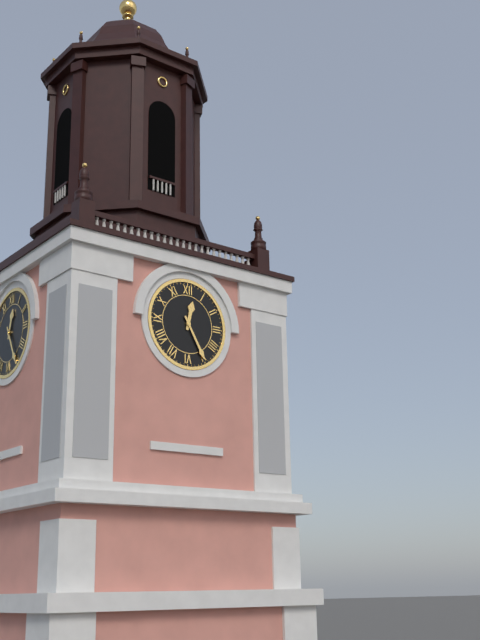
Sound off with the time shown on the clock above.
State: 12:25
